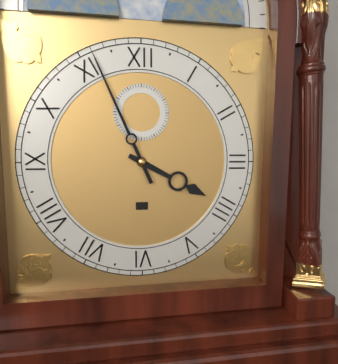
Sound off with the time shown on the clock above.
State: 3:56
